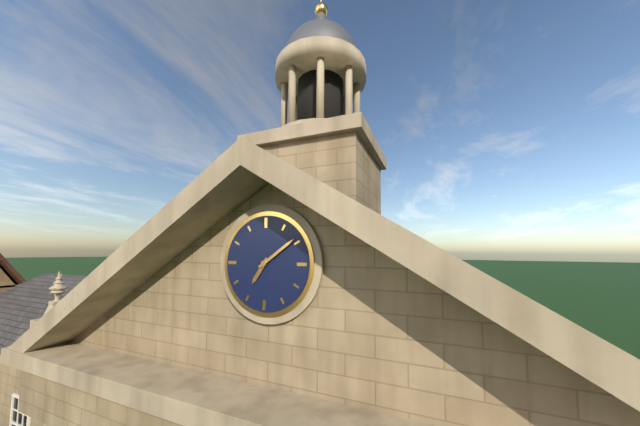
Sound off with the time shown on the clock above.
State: 7:09
